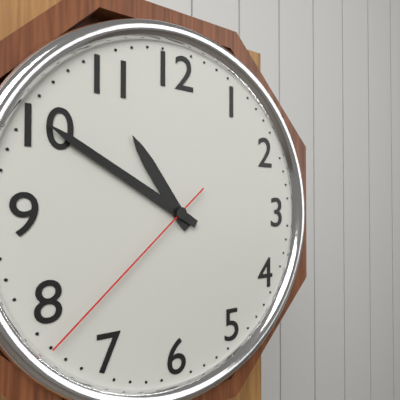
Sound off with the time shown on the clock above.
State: 10:50:38
